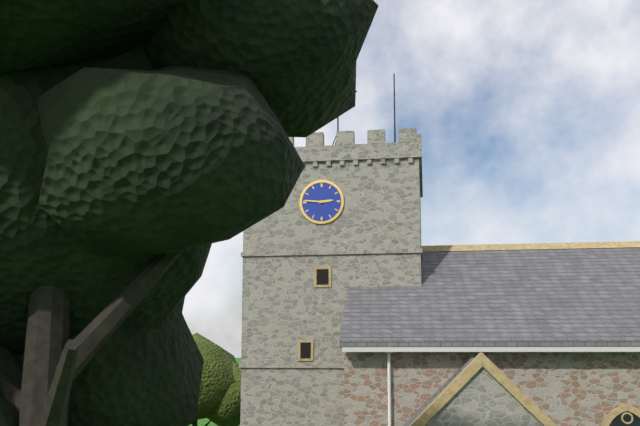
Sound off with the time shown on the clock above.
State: 2:46
